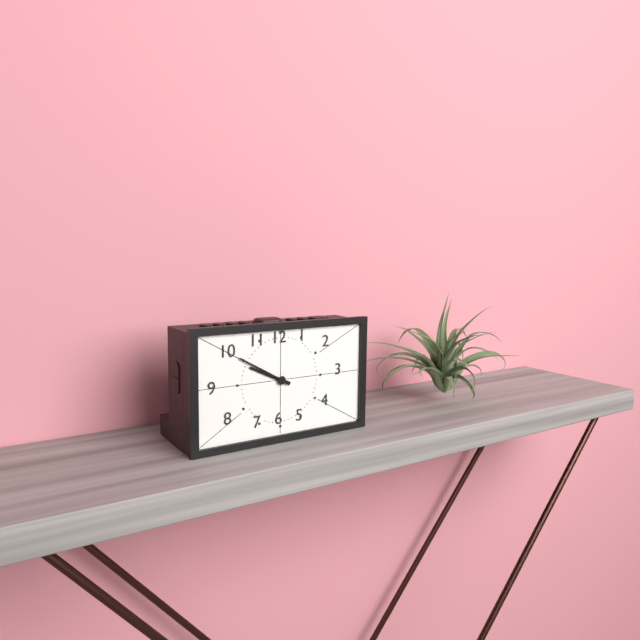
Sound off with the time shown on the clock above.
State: 9:50
